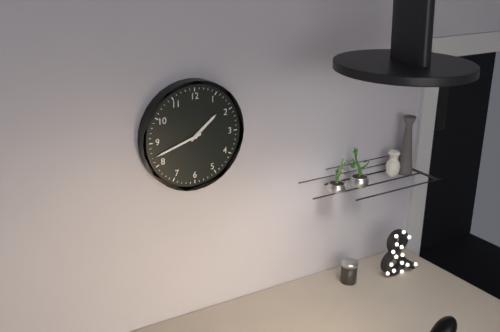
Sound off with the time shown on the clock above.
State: 1:42
